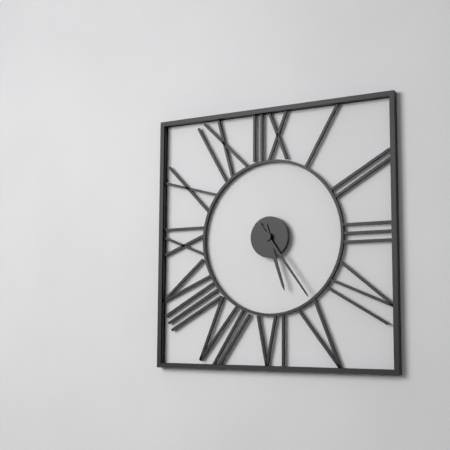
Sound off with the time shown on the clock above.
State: 5:24
